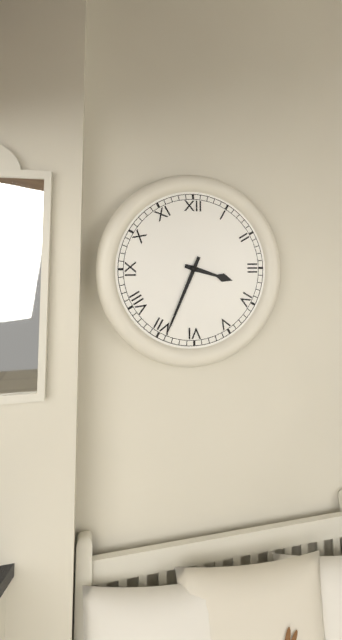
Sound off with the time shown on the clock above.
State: 3:34
